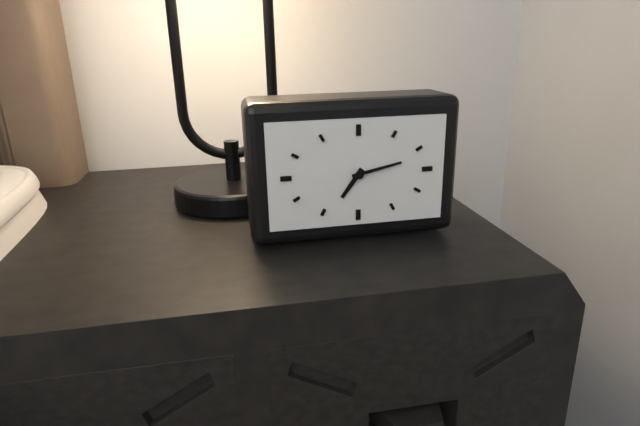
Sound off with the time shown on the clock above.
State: 7:13
